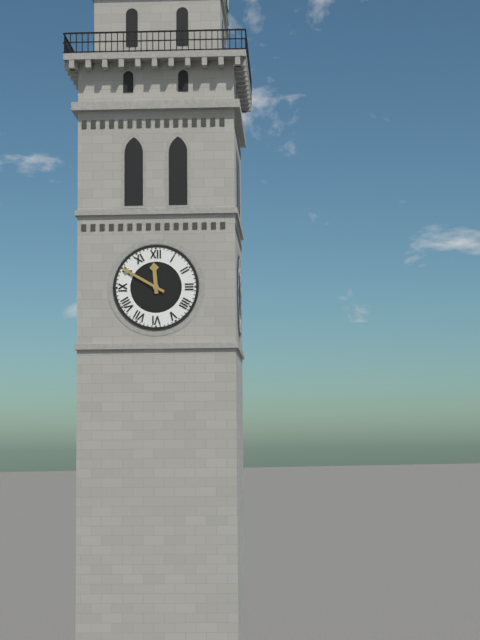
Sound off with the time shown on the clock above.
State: 11:50
